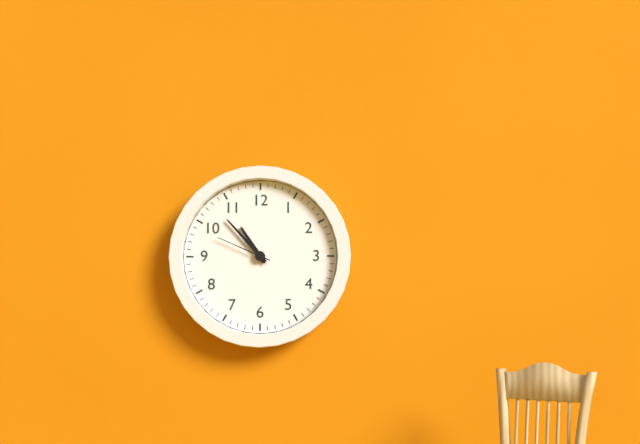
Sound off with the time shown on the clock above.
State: 10:53:49
